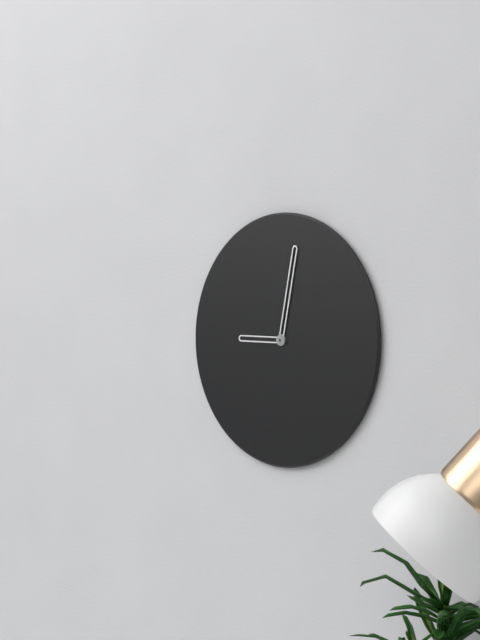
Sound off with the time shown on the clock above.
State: 9:02
